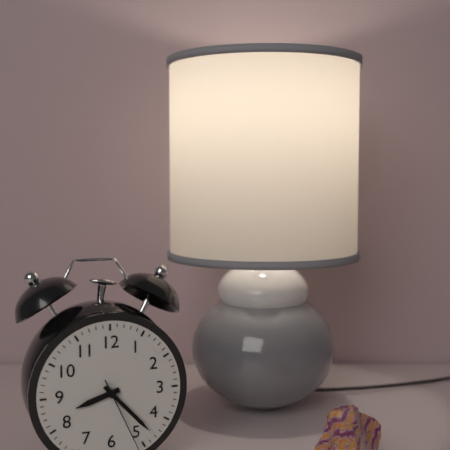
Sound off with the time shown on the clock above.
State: 8:23:26
